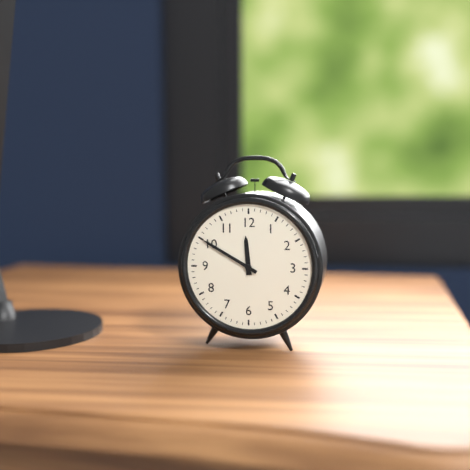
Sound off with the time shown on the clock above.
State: 11:50
